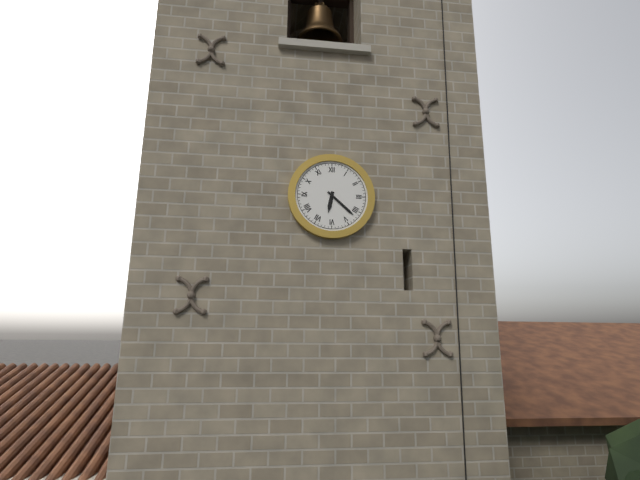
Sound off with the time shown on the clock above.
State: 6:22
